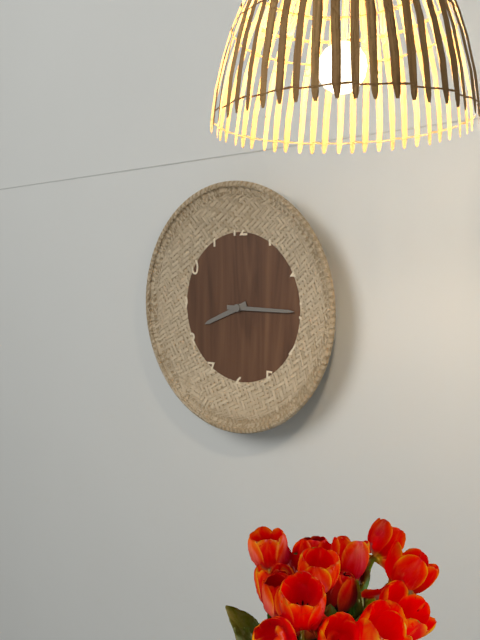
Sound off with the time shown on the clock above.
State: 8:15
